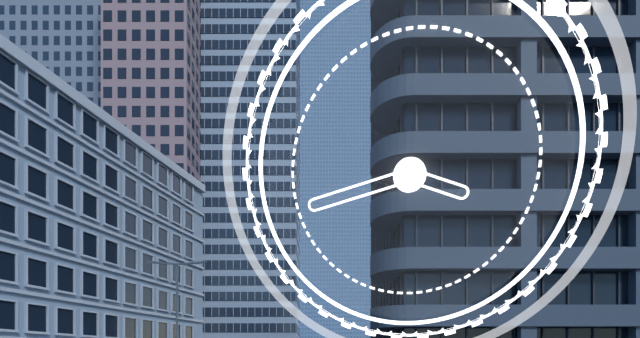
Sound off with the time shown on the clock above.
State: 3:43
